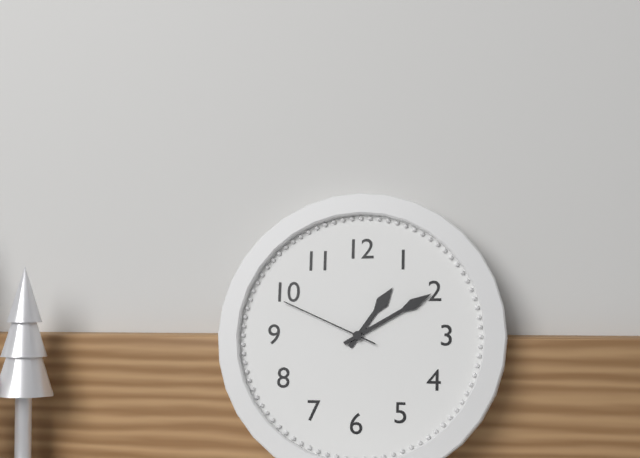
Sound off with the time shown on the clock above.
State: 1:10:49
